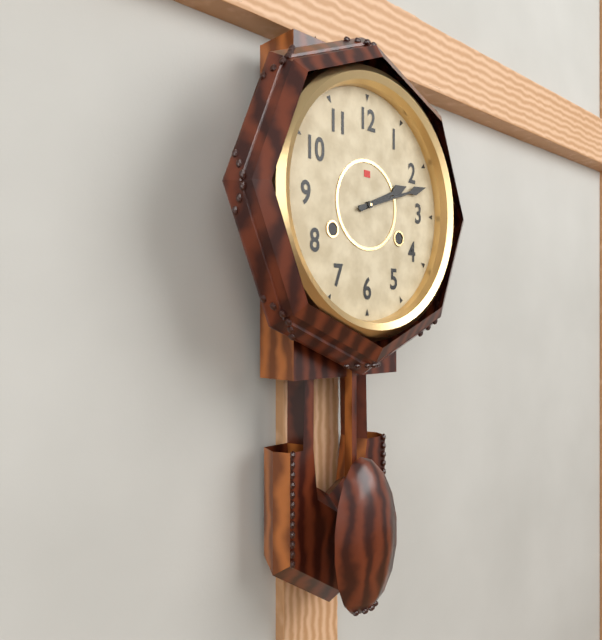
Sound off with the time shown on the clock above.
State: 2:12
